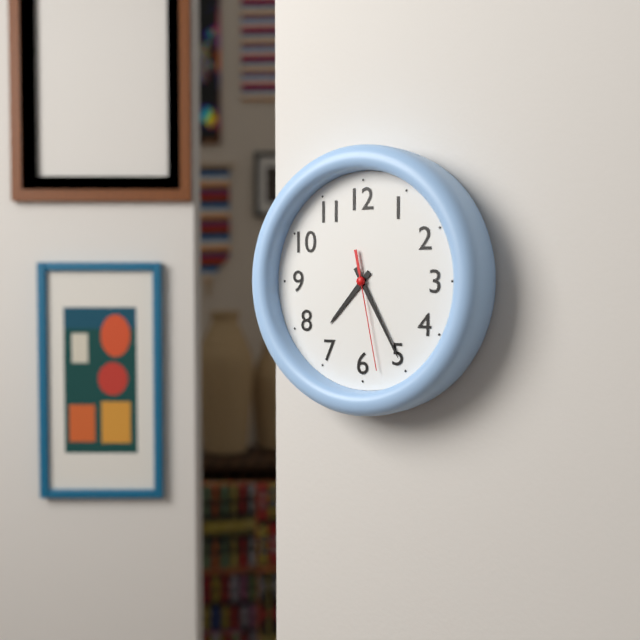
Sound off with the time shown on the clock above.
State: 7:25:28
